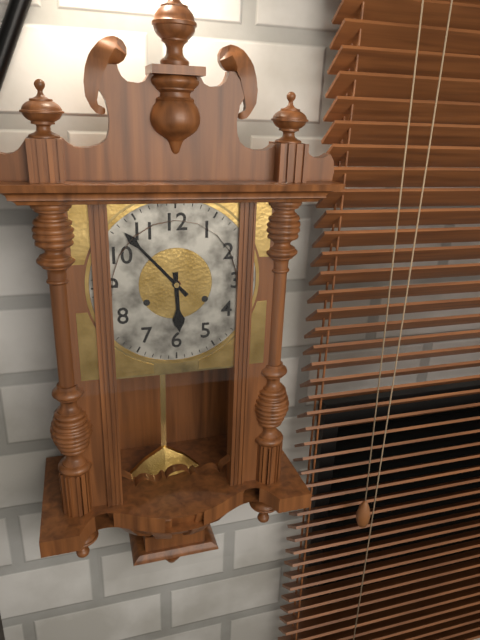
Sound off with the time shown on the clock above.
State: 5:53
